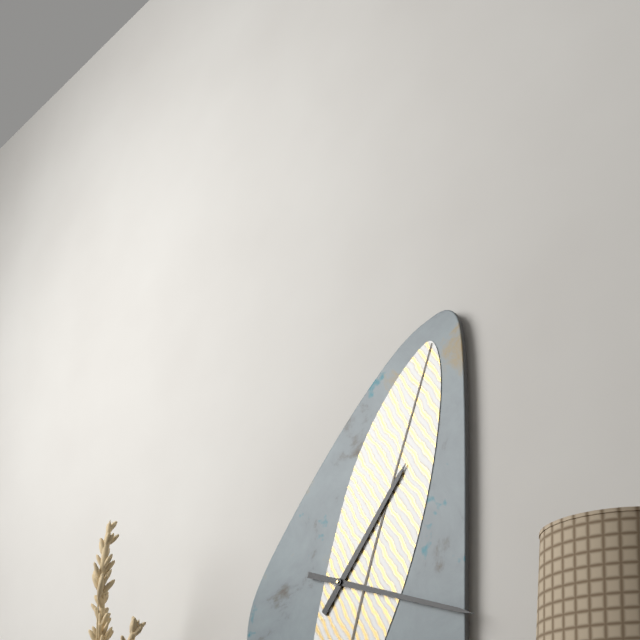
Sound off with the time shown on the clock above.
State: 1:18
